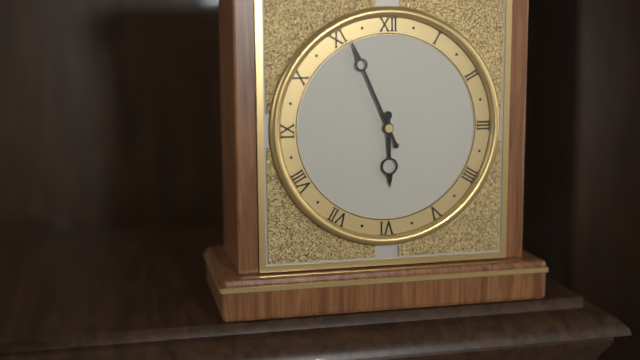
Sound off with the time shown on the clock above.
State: 5:56
